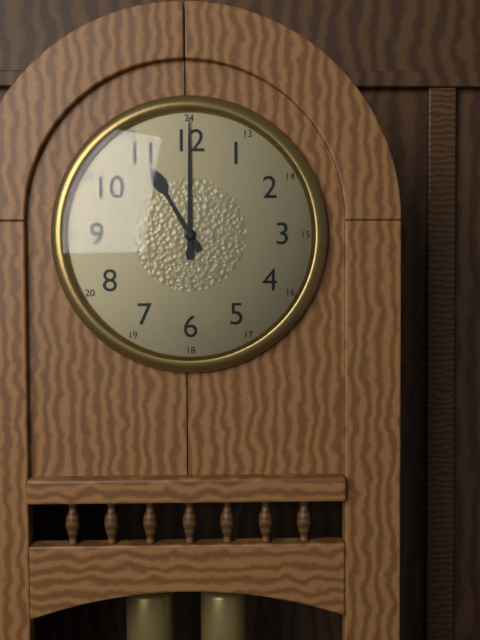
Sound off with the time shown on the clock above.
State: 11:00
